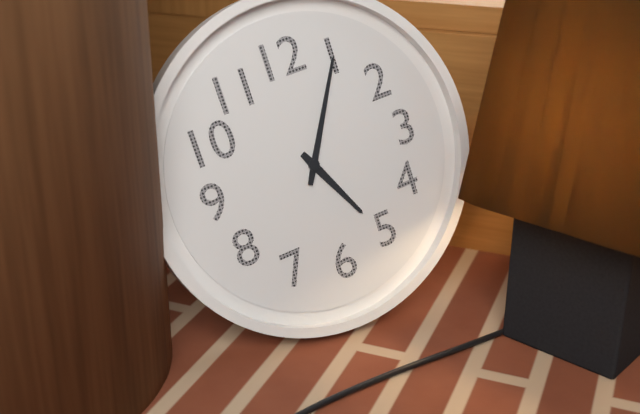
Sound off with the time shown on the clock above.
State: 5:05
